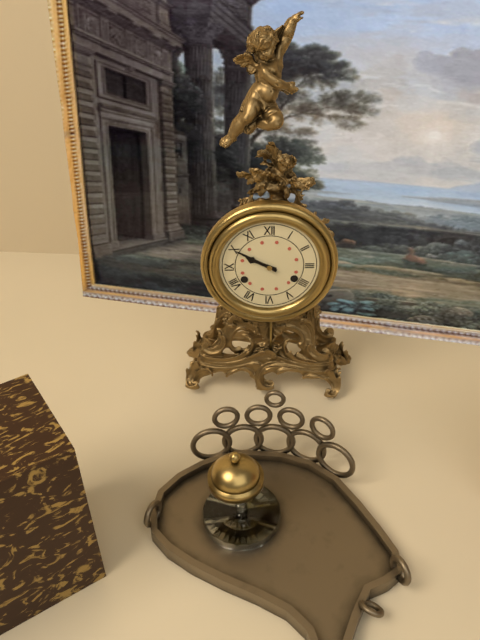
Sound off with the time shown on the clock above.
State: 9:50
